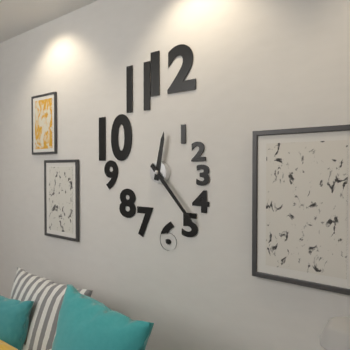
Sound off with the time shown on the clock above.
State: 12:23
